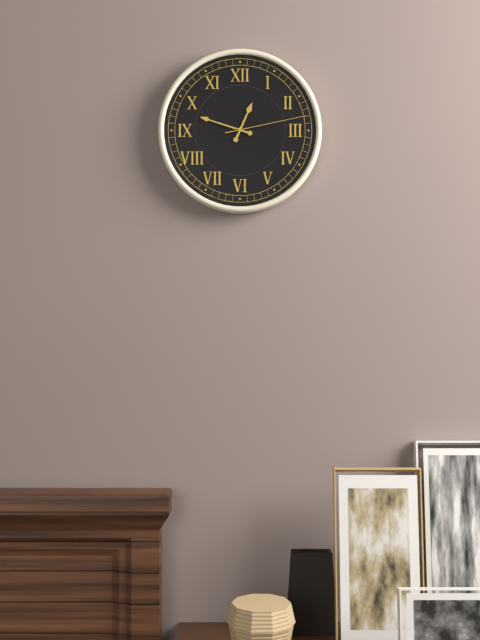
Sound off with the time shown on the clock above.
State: 12:48:13
